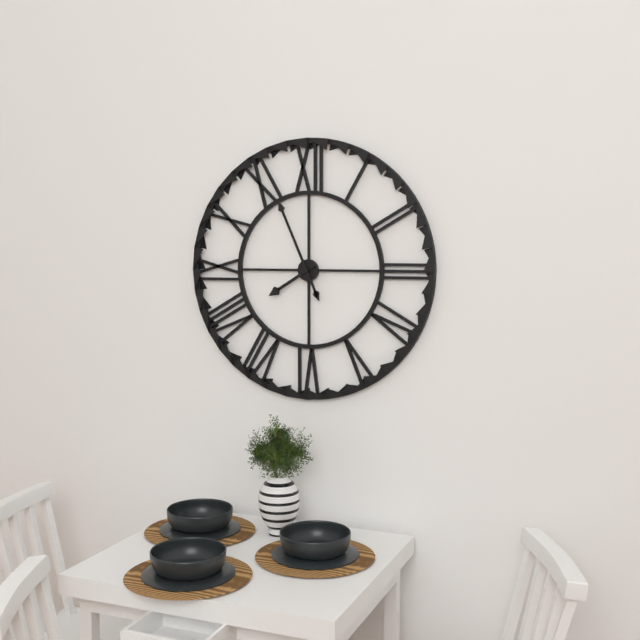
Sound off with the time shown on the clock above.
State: 7:56
